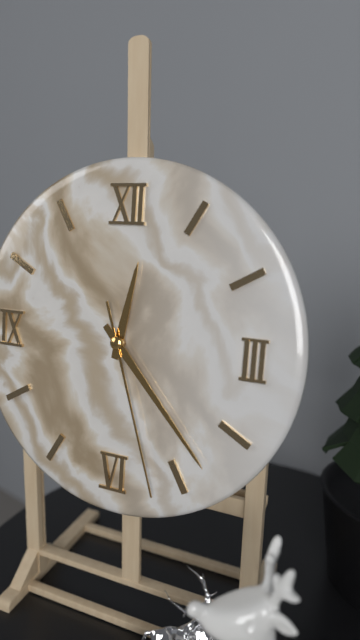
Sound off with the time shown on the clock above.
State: 12:23:27
